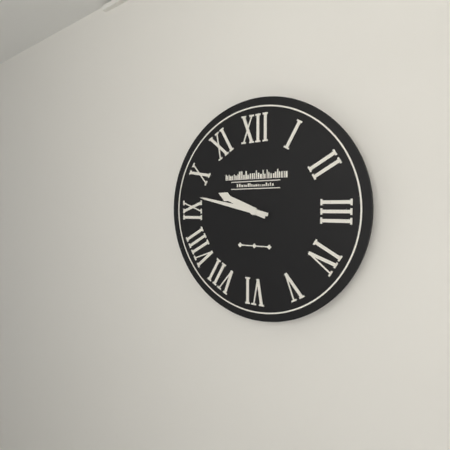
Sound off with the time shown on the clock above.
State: 9:47
